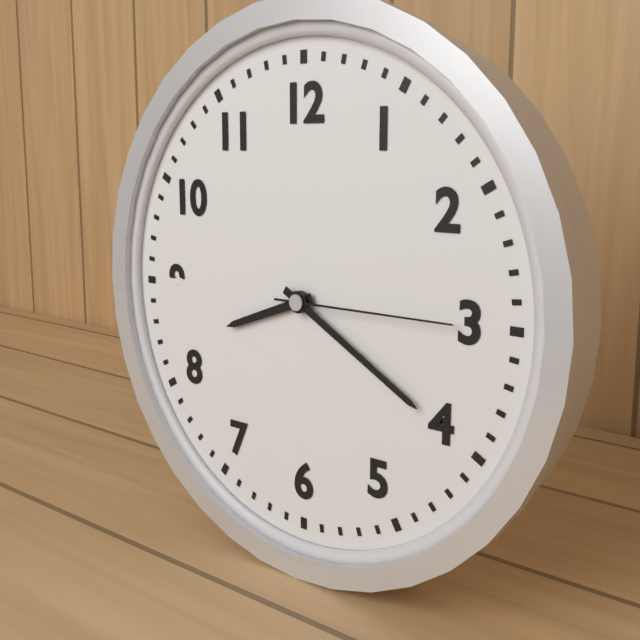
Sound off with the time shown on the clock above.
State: 8:20:15
